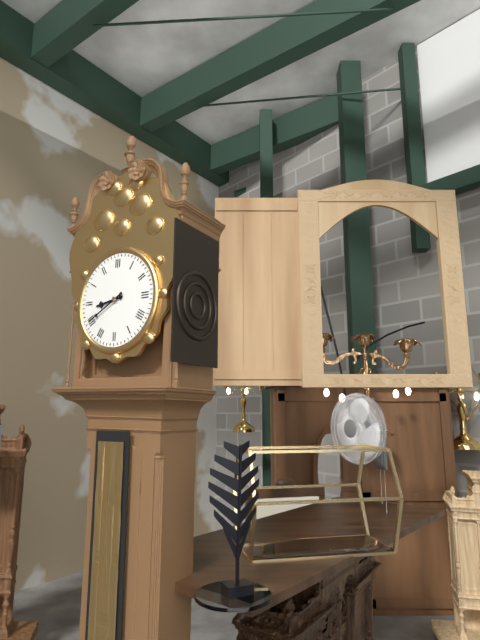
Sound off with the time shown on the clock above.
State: 8:40
